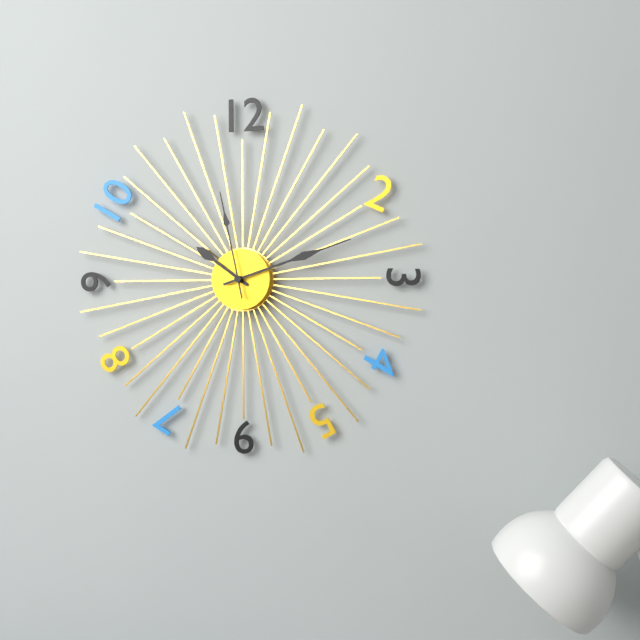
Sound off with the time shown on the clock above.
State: 10:12:58
